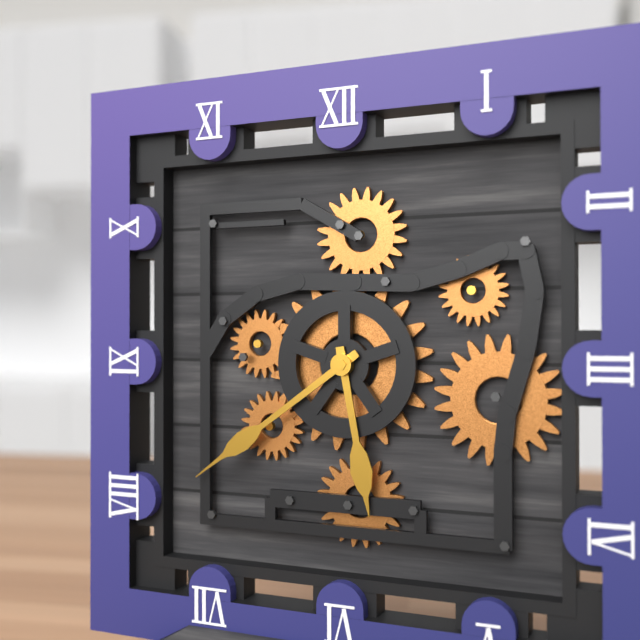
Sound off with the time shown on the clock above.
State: 5:39
